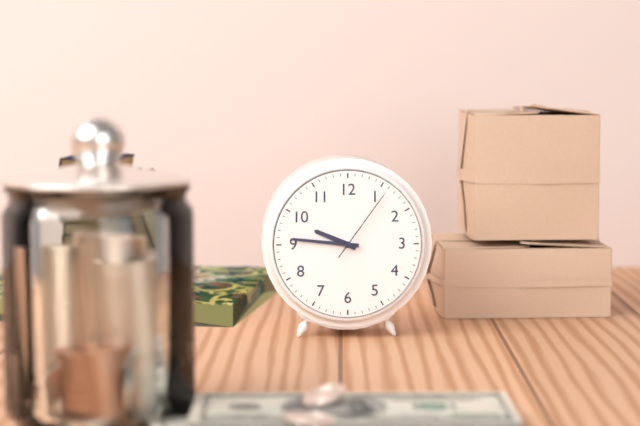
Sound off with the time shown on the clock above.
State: 9:46:06
